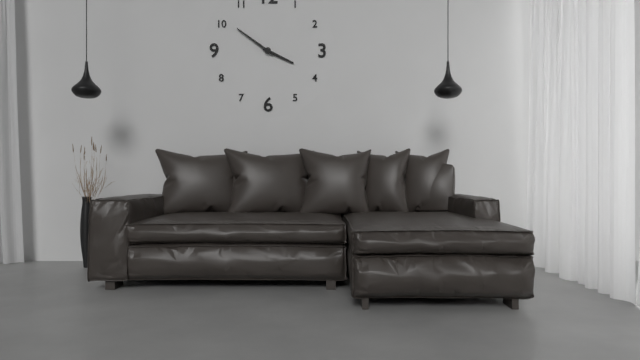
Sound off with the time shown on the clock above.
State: 3:51
